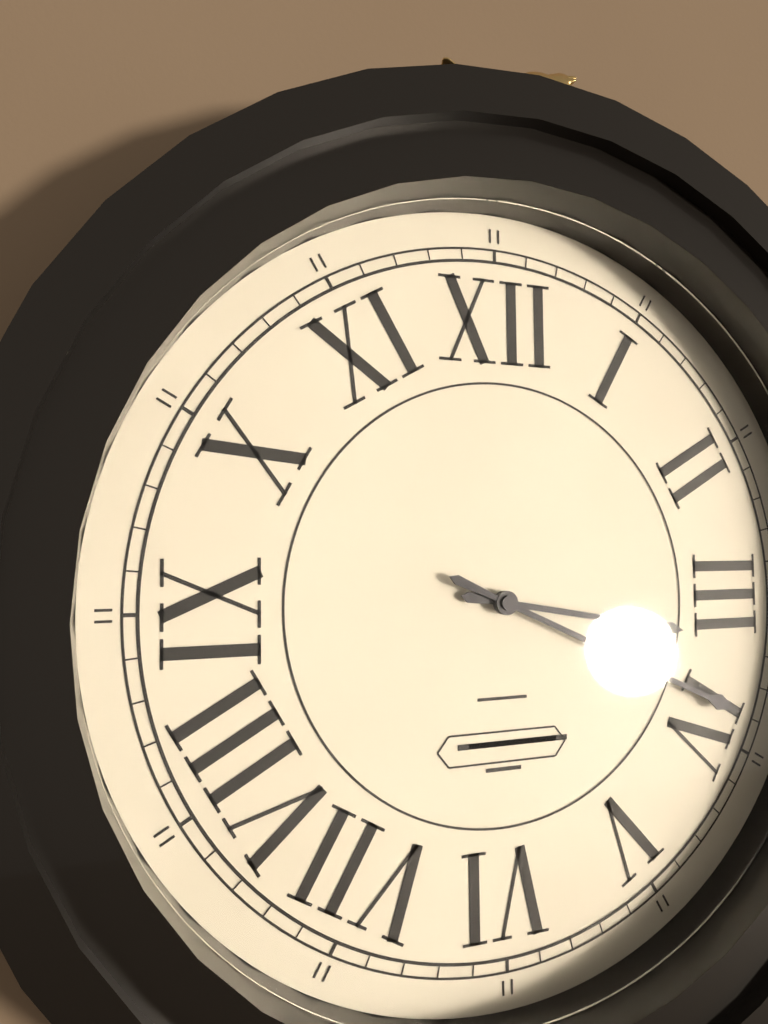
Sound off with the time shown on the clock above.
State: 3:19
